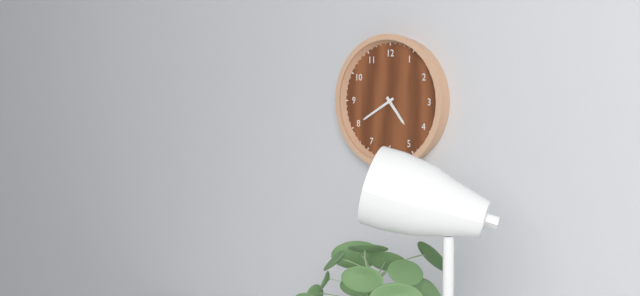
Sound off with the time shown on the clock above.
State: 4:40
